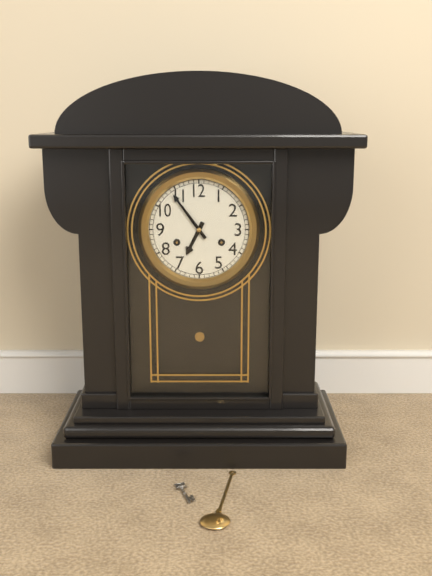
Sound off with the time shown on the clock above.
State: 6:54
